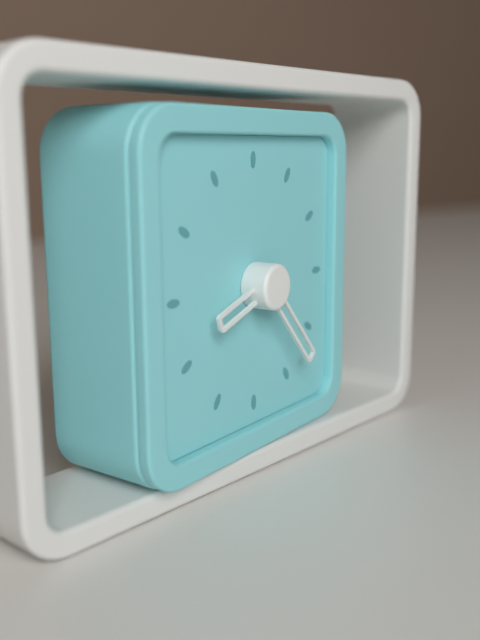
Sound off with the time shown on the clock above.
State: 8:23
